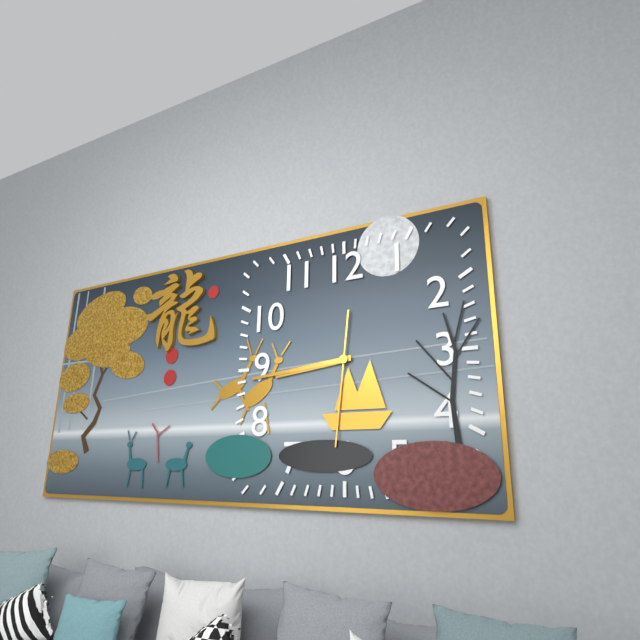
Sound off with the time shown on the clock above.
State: 8:44:31
